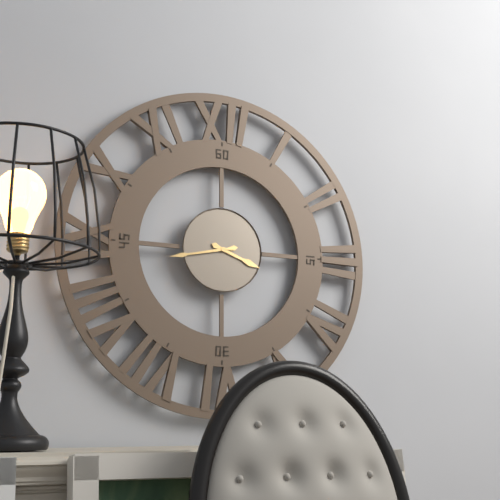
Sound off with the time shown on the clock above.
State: 3:43
